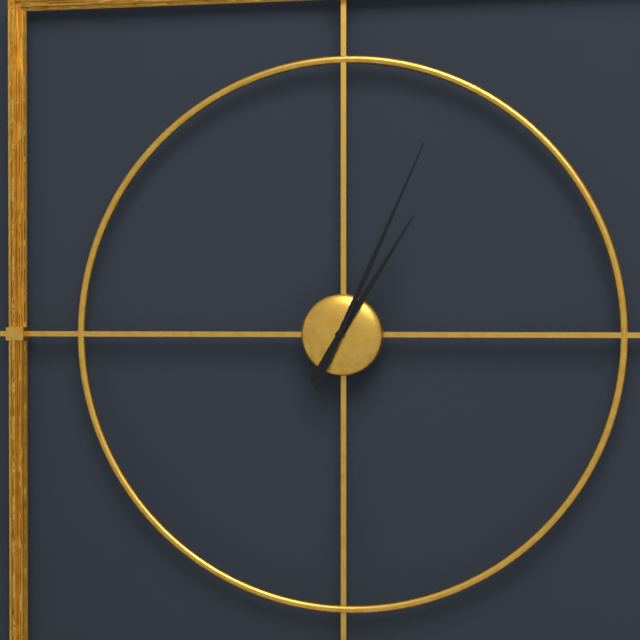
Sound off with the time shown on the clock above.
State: 1:04
